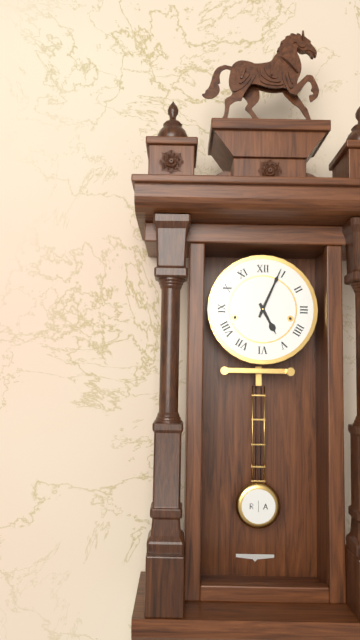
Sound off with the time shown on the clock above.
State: 5:04
